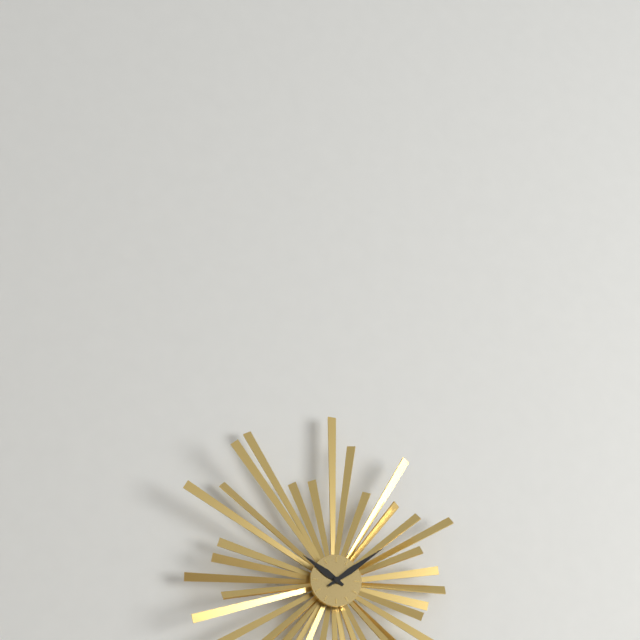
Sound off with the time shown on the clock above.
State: 10:09
